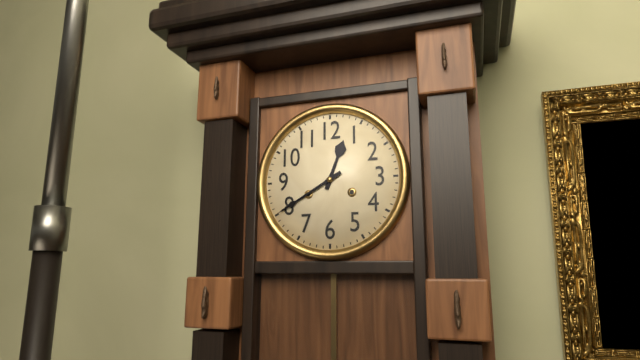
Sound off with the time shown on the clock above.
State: 12:40
